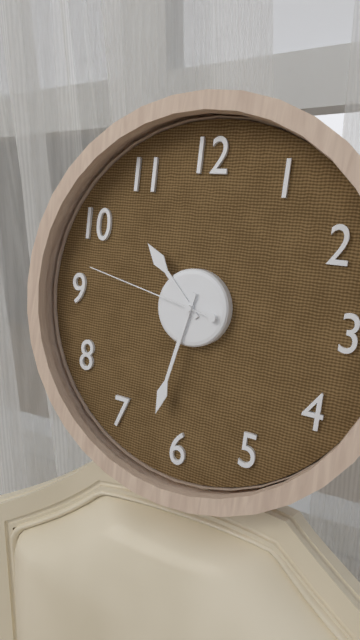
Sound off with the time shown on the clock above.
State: 10:32:47
